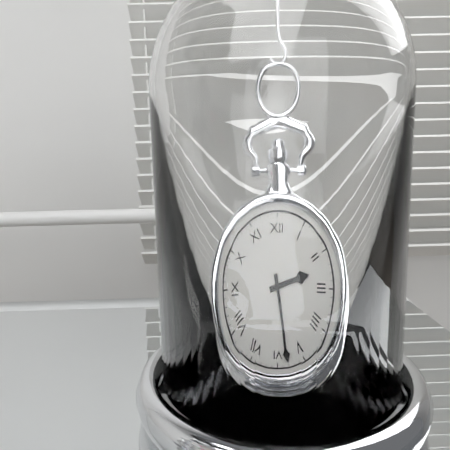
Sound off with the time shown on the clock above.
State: 2:28
